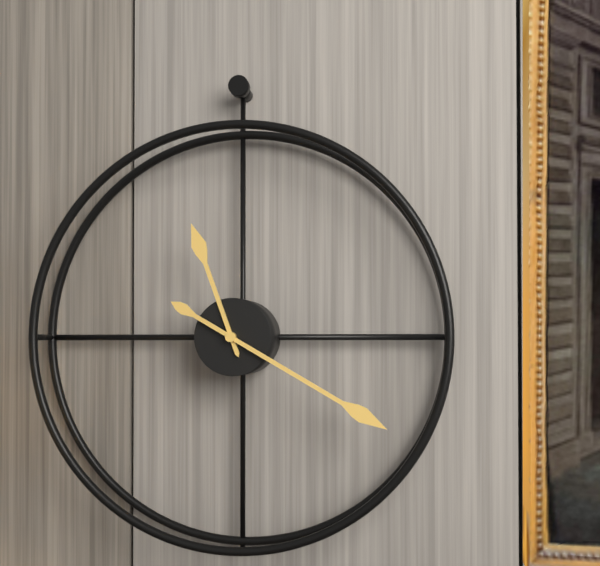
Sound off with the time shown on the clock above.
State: 11:20
